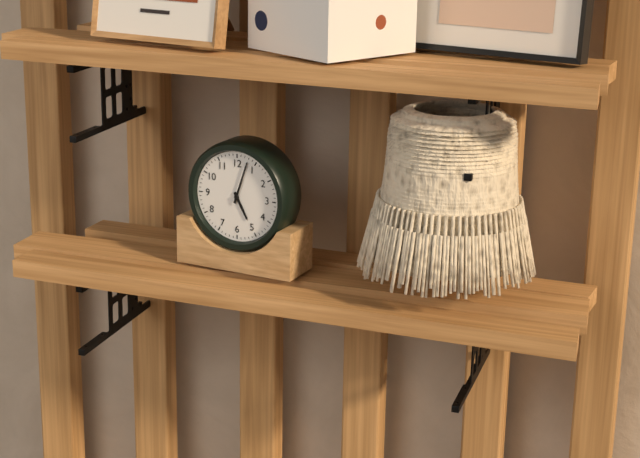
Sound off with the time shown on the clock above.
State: 5:03
